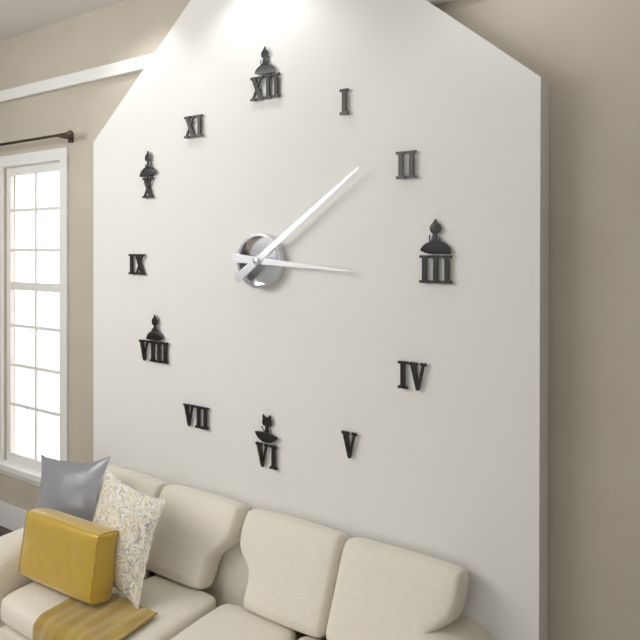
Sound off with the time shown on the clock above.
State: 3:09
